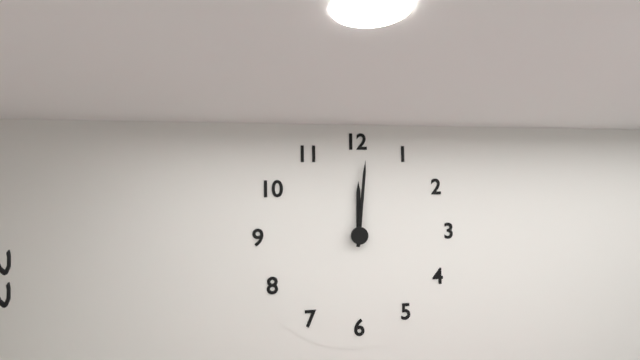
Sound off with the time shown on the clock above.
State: 12:01
